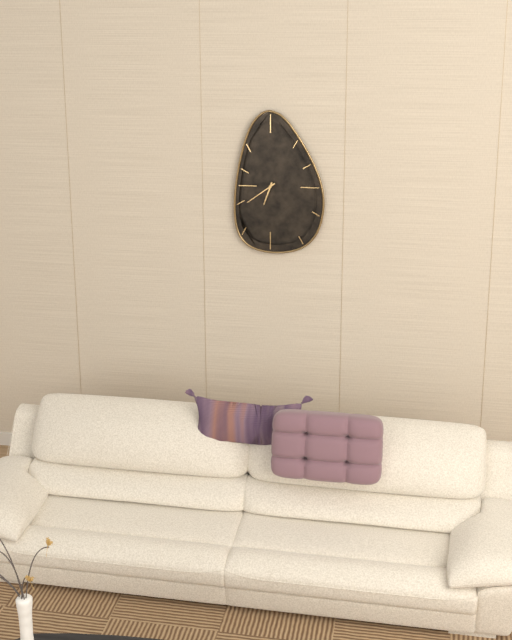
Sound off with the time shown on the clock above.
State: 6:39
